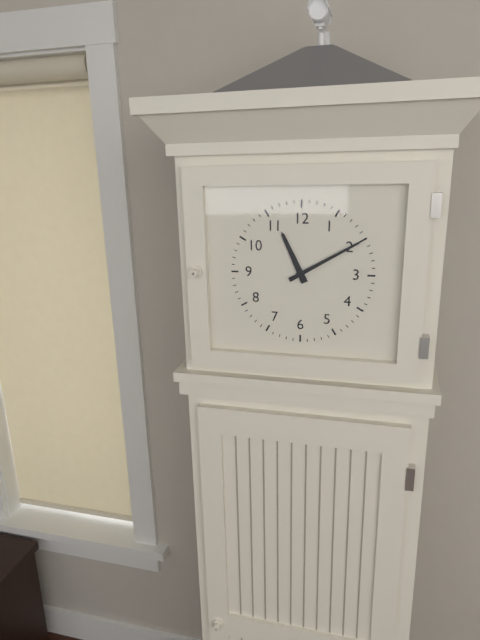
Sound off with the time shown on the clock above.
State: 11:10
